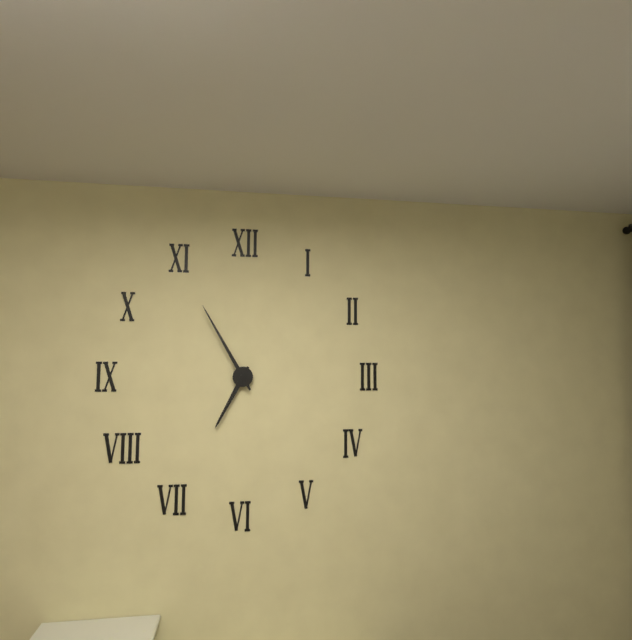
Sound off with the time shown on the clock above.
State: 6:55
